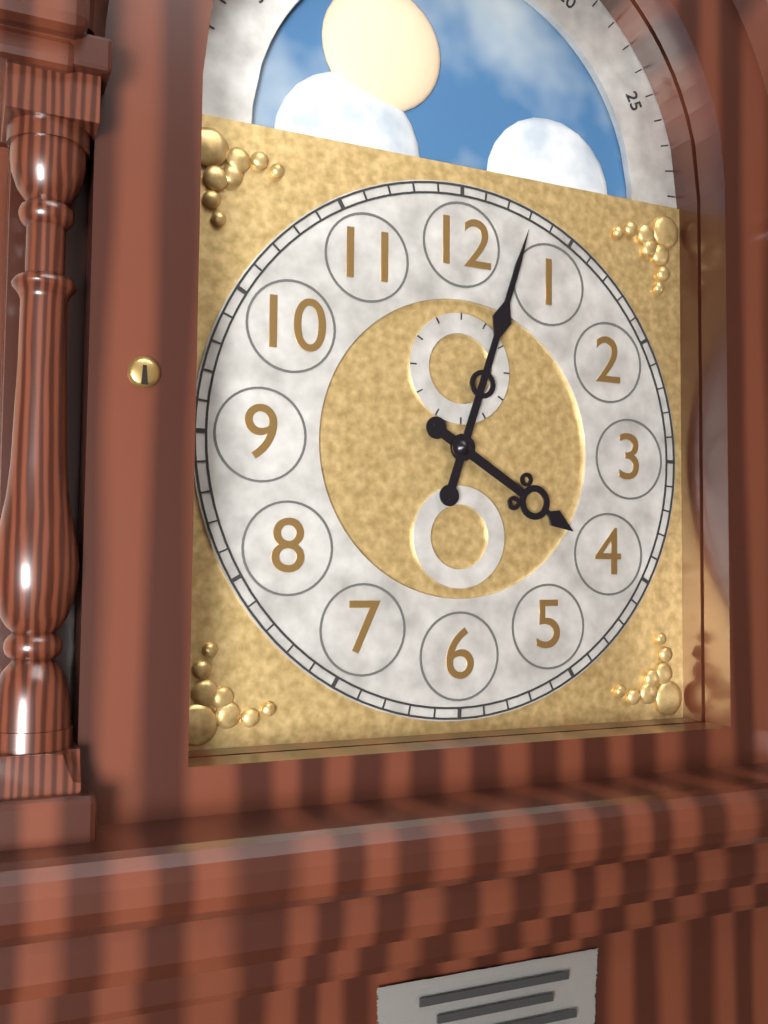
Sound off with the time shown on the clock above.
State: 4:03
